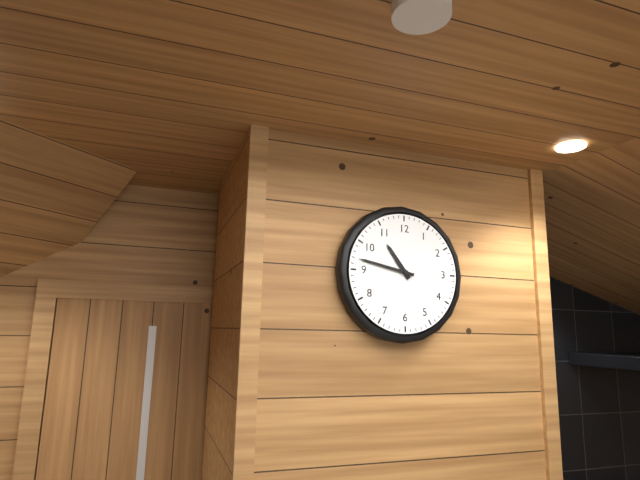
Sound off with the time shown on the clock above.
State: 10:47
